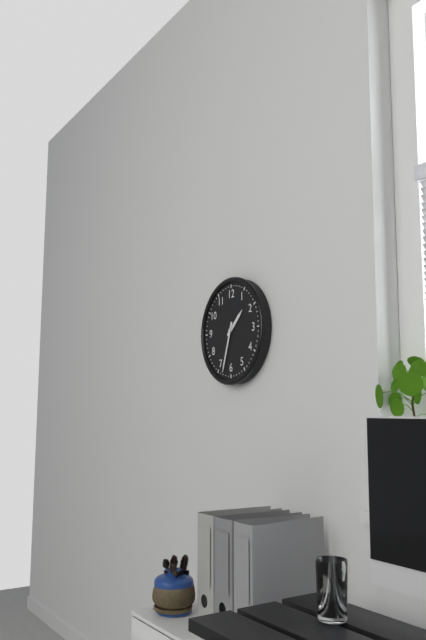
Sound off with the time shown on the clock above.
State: 1:33
